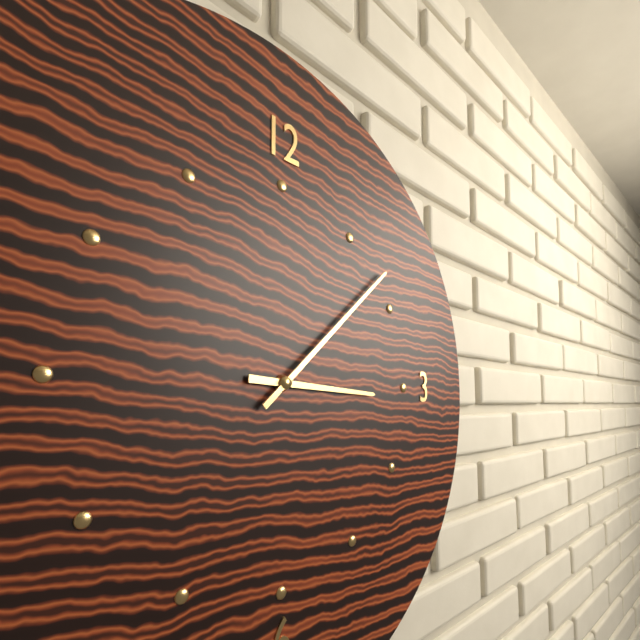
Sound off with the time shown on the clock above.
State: 3:08
